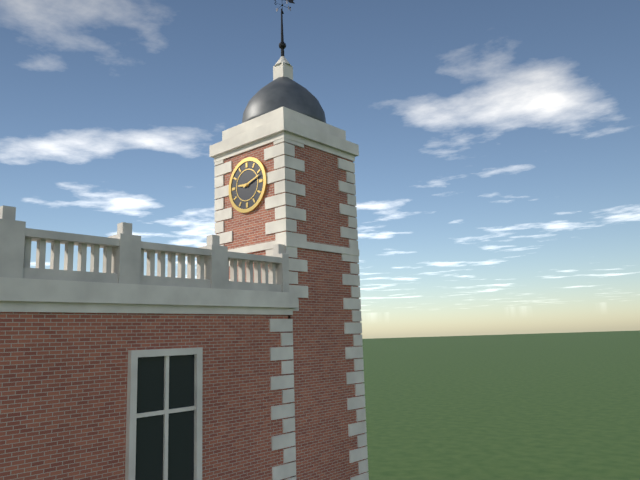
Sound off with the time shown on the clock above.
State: 9:12
